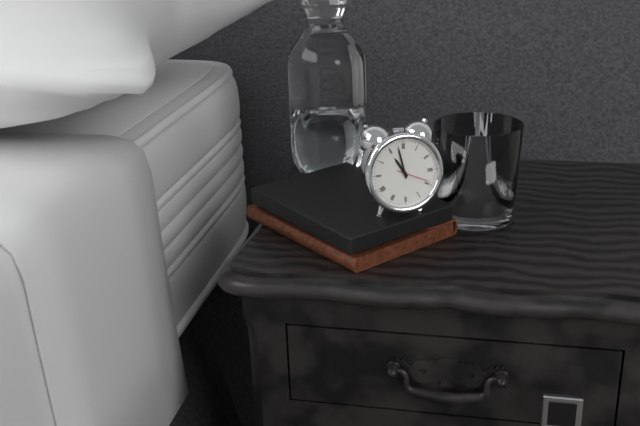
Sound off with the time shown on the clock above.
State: 10:58
